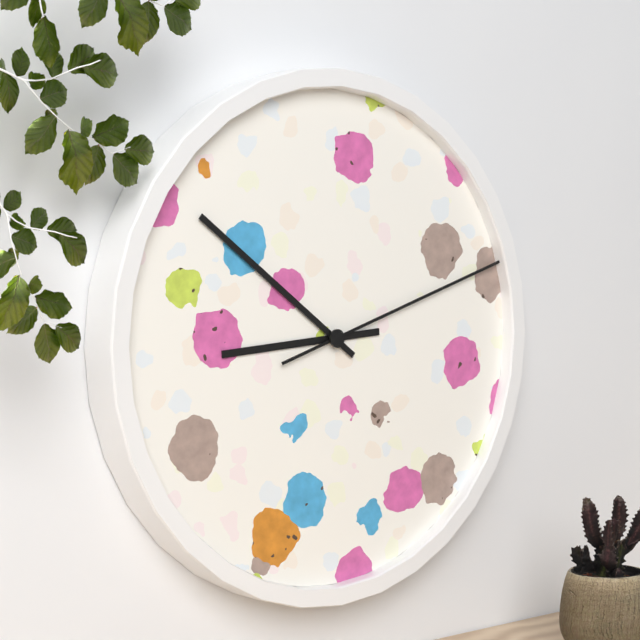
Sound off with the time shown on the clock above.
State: 8:51:12
